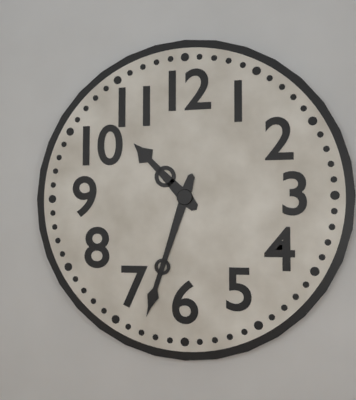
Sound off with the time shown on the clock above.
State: 10:33
